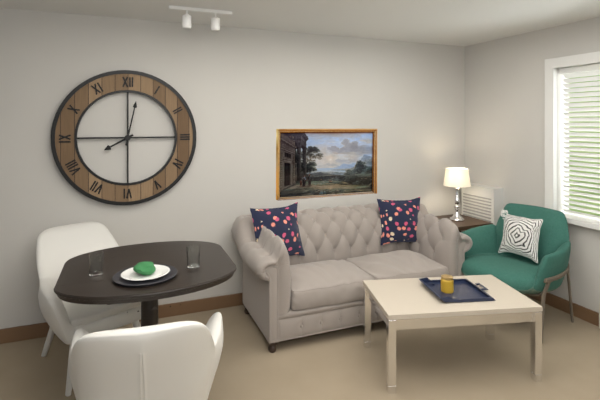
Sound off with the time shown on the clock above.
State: 8:02
